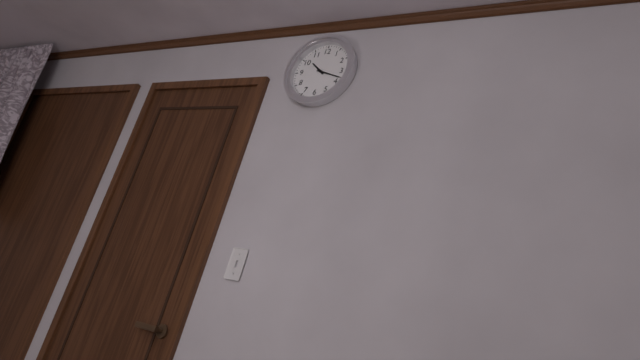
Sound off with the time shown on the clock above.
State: 10:18
